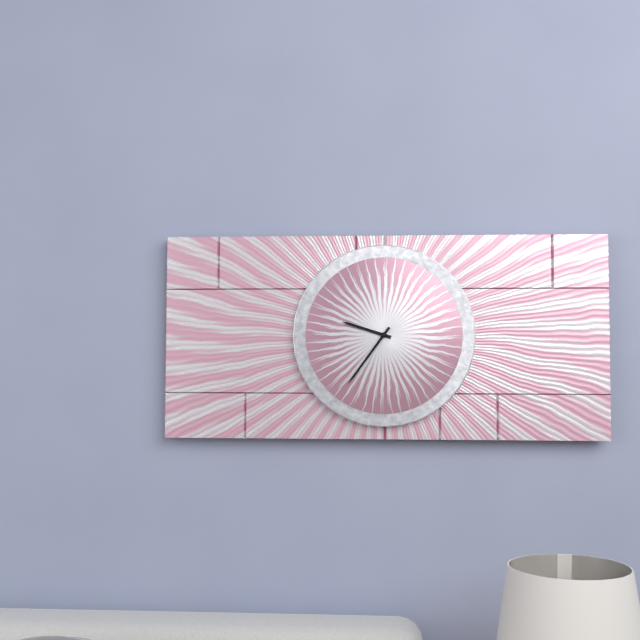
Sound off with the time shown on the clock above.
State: 9:36
